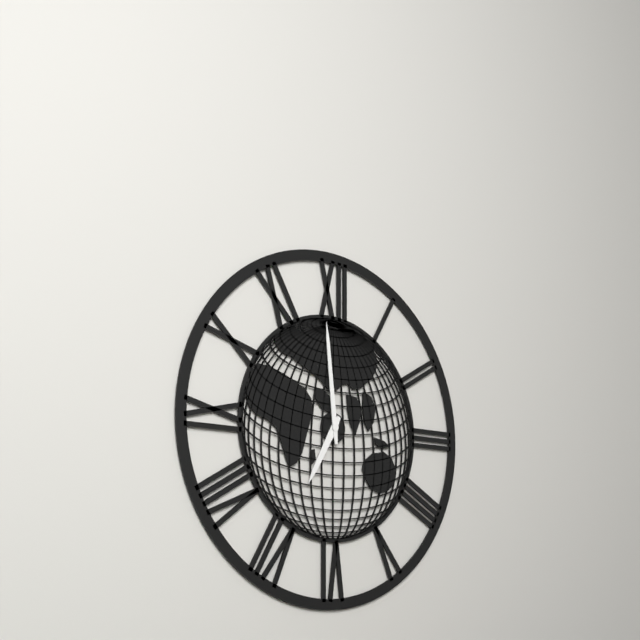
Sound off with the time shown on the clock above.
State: 6:59
